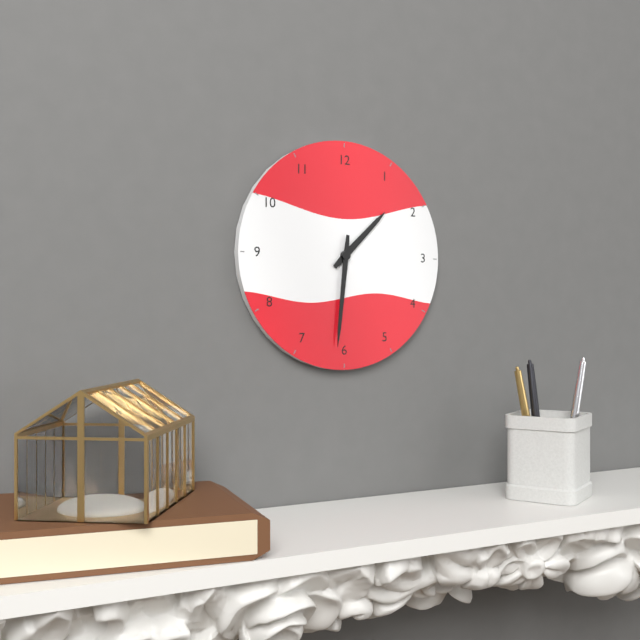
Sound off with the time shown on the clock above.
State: 1:31
